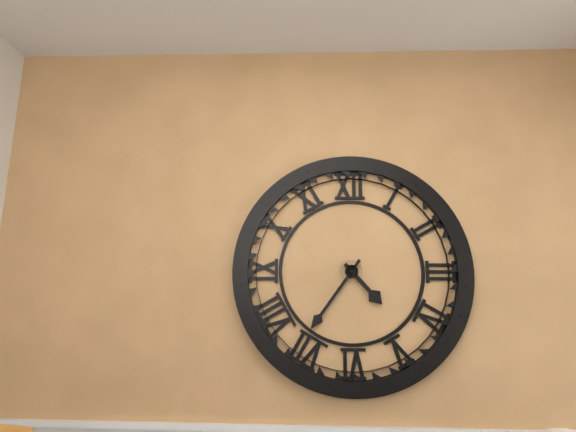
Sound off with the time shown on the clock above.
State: 4:36
